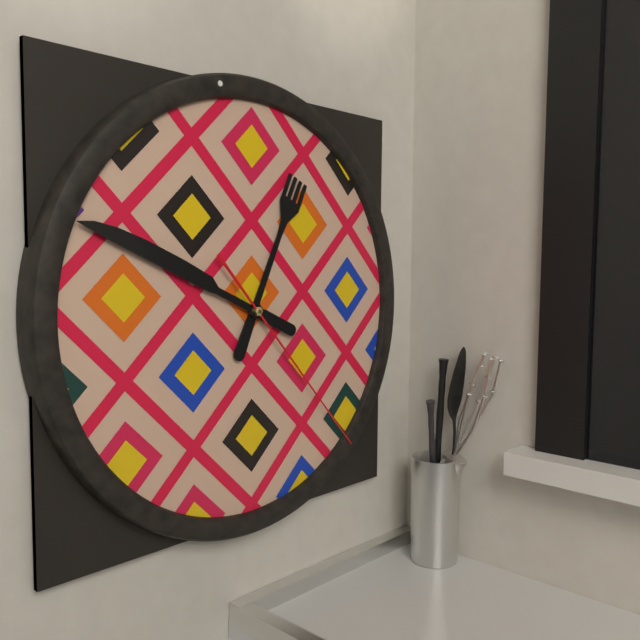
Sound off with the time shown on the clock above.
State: 12:49:23
